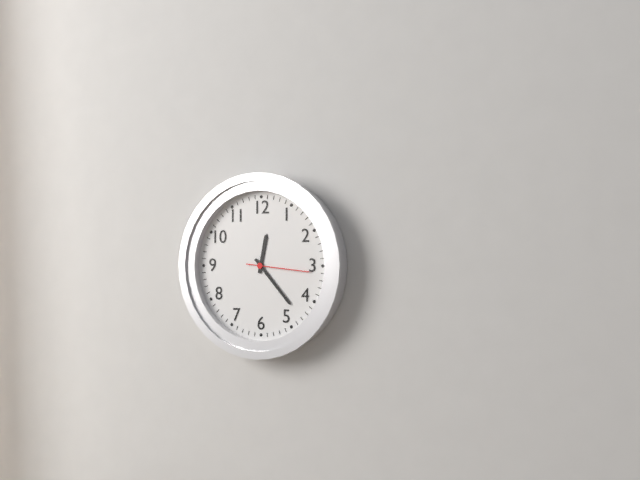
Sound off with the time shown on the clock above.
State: 12:23:16
